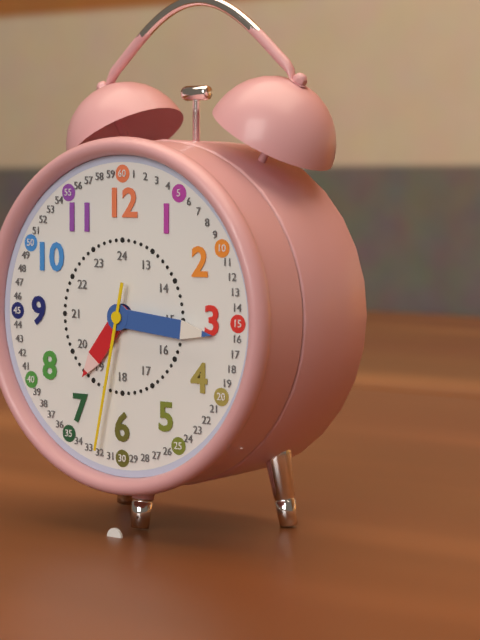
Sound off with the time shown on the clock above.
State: 7:16:32
